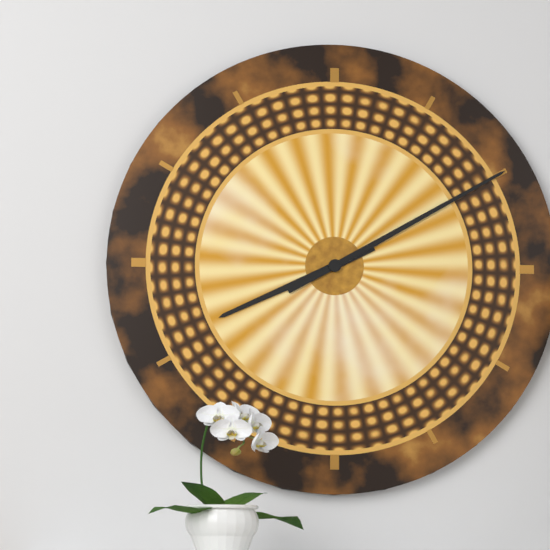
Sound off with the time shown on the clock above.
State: 8:10
